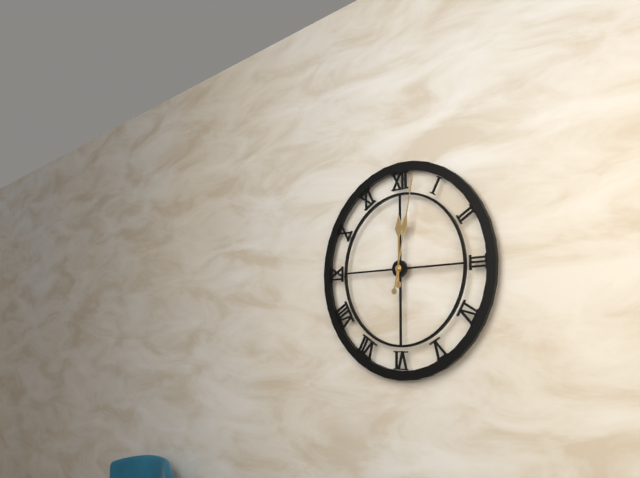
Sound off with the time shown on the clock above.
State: 12:02
